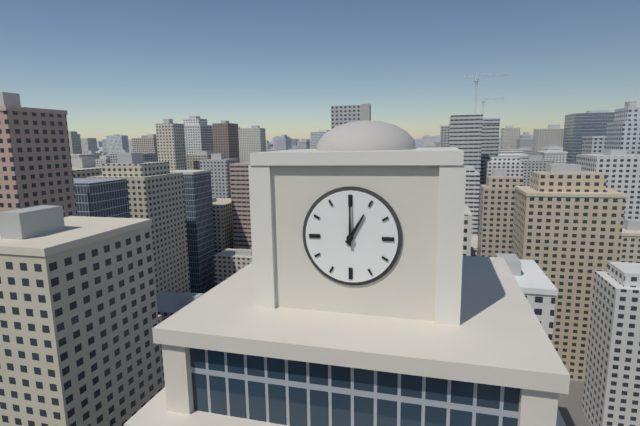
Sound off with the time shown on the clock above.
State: 1:00
